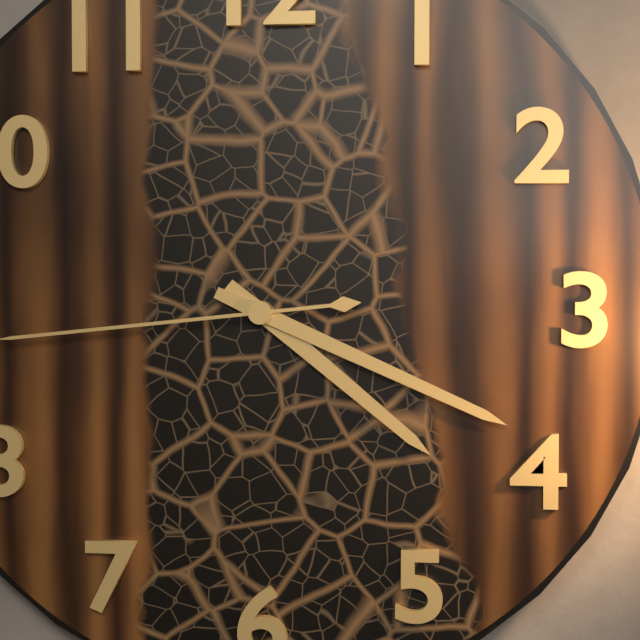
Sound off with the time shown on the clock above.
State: 4:19
